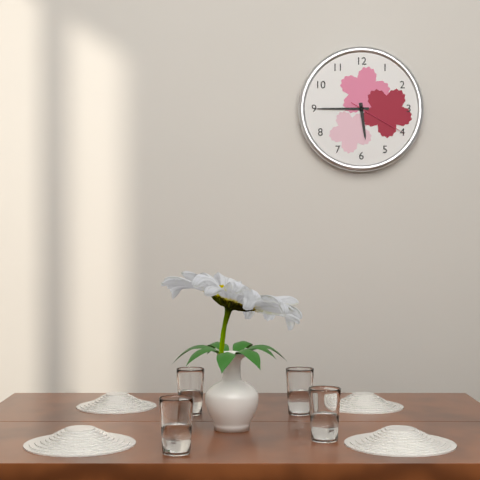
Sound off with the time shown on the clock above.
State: 5:45:20
